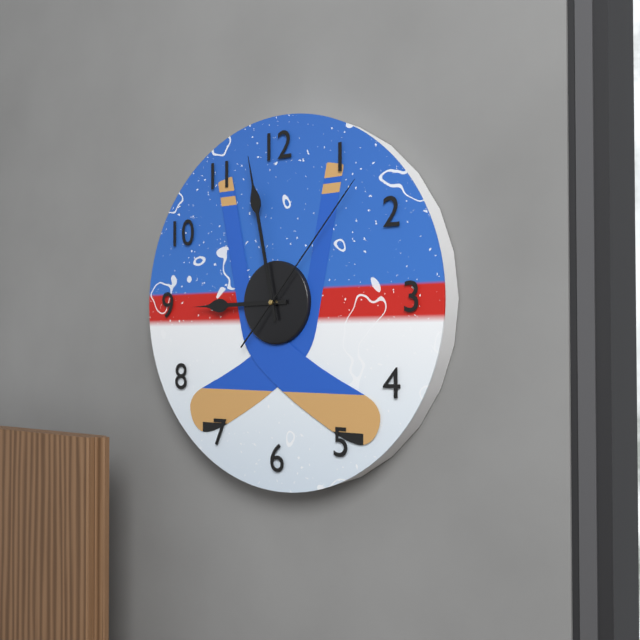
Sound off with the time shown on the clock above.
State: 8:58:07
